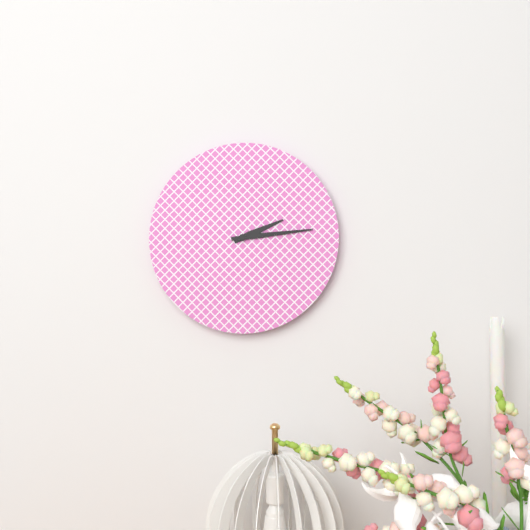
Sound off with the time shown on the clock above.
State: 2:14
